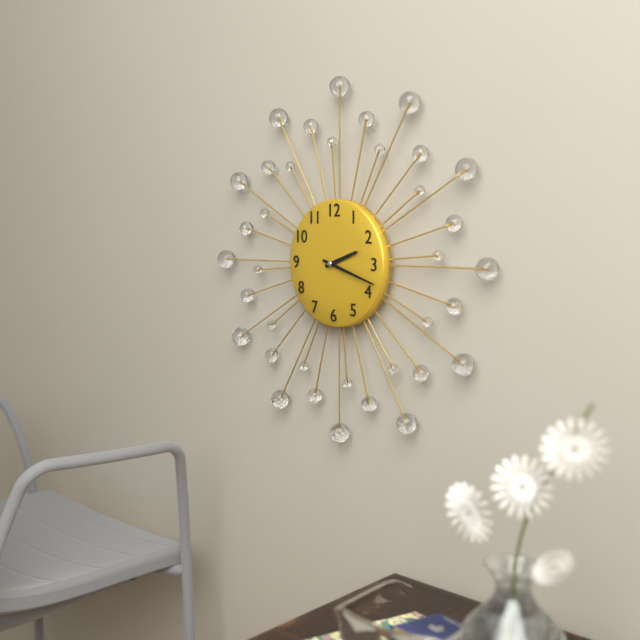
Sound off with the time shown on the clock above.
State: 2:18
